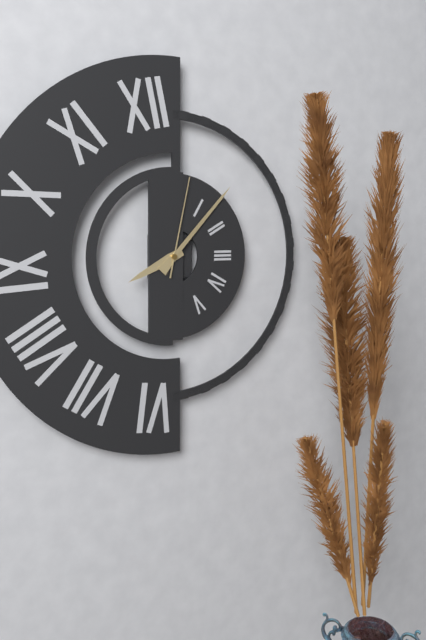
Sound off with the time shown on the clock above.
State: 8:07:02
